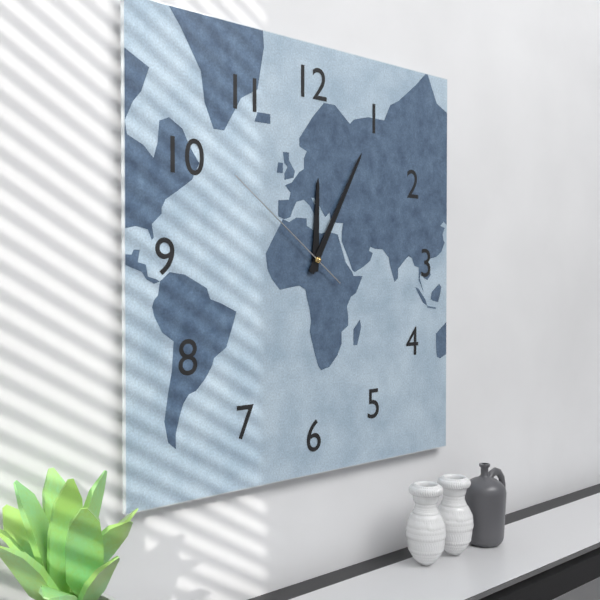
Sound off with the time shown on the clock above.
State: 12:05:51
